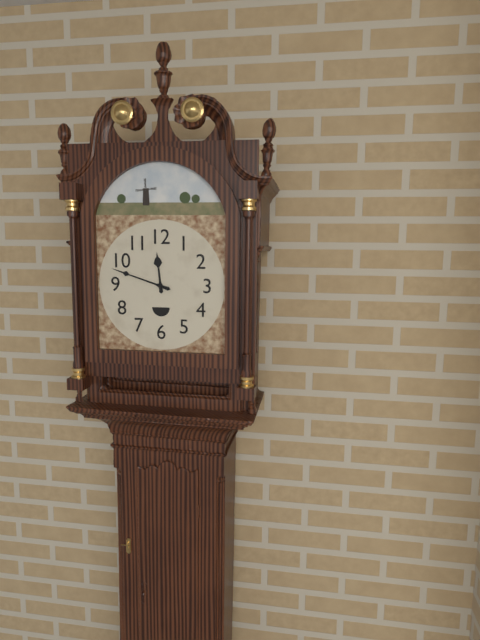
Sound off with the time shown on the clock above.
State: 11:48
